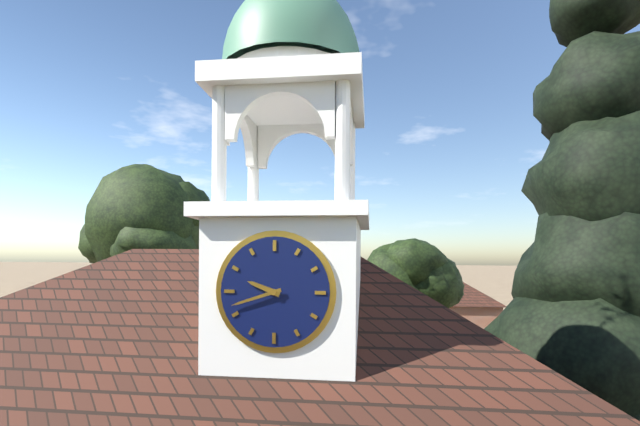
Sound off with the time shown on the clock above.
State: 9:42
